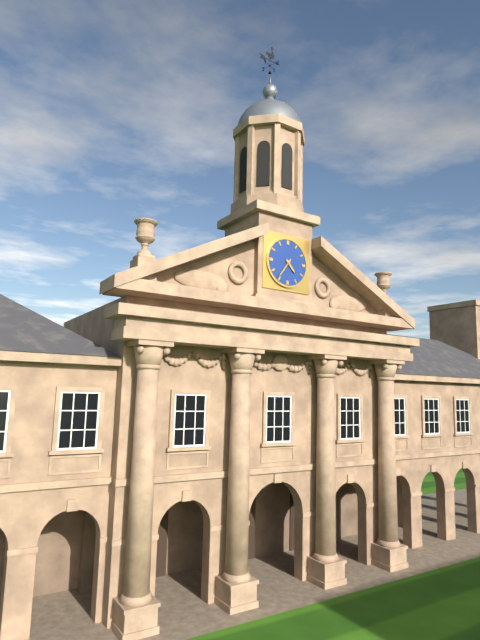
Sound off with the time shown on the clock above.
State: 4:36
